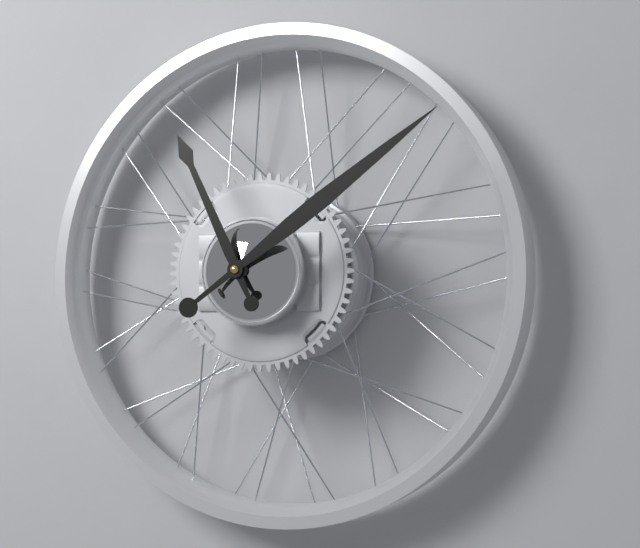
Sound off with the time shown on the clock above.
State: 11:09
